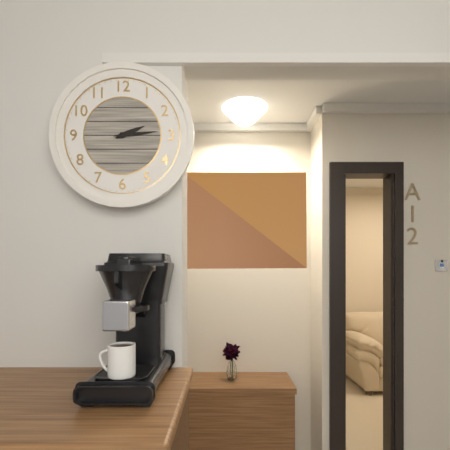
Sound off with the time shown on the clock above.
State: 2:14
